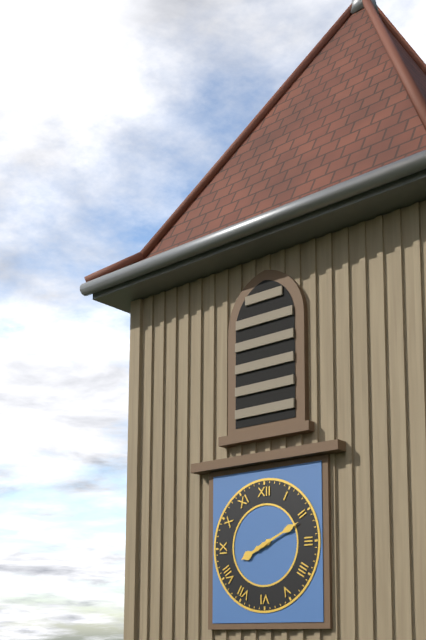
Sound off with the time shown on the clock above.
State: 8:11
